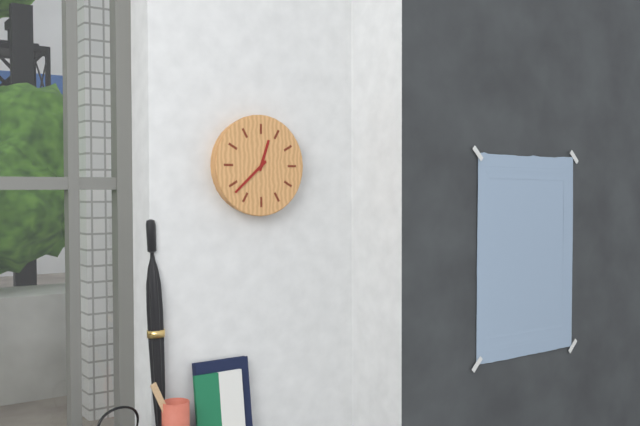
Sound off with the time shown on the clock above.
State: 12:38
